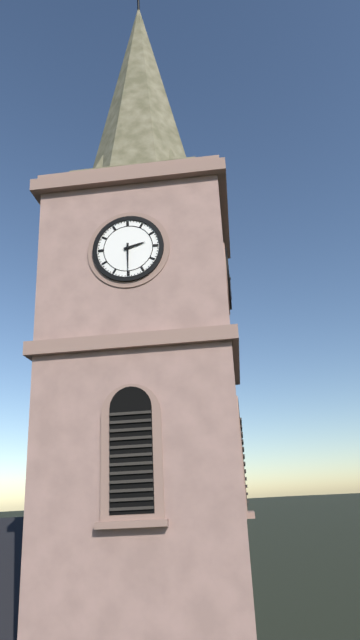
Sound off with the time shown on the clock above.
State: 2:30
